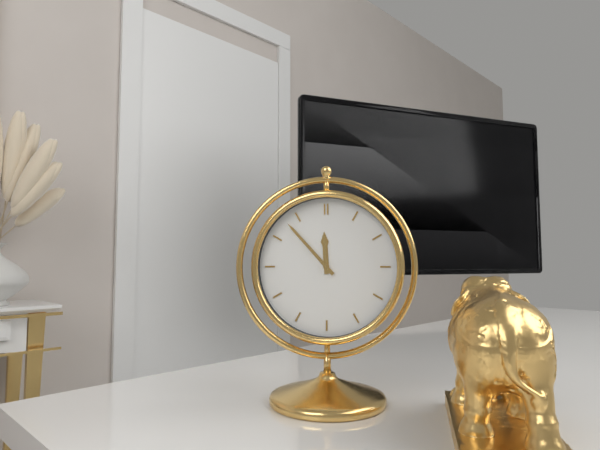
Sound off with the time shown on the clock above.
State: 11:53
